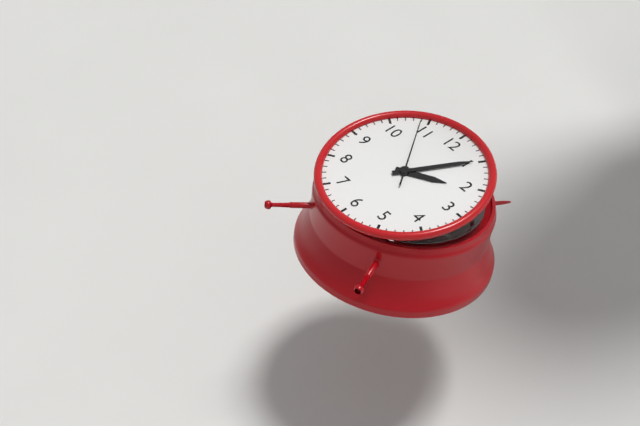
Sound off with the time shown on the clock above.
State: 2:05:54
